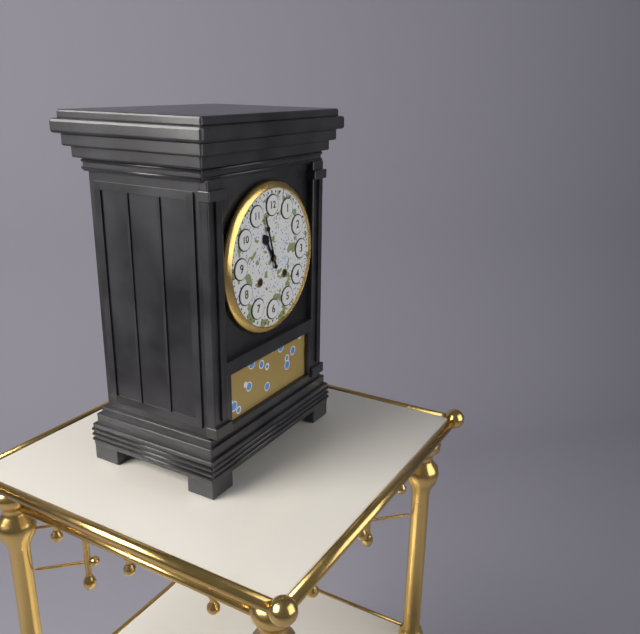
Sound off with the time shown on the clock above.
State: 10:57
